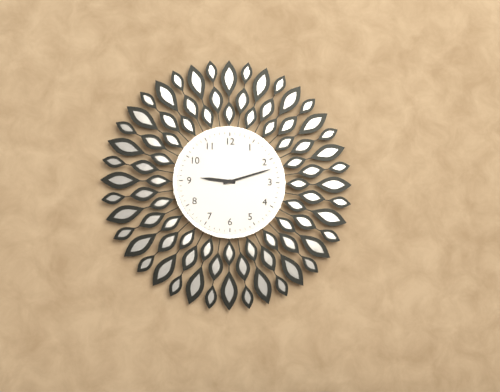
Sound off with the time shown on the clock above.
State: 9:12
